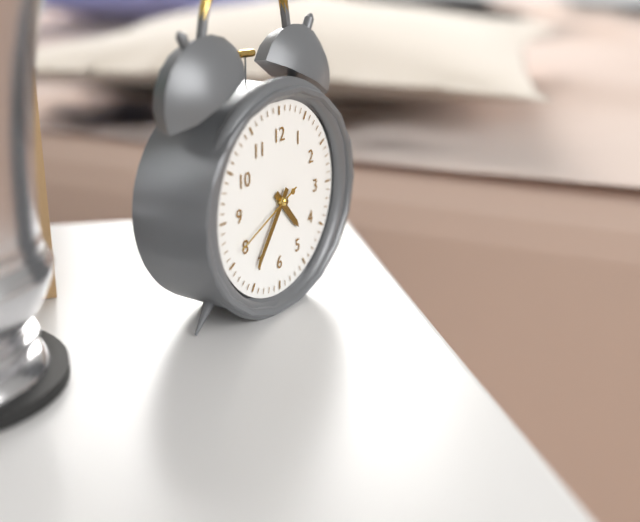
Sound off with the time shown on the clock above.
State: 4:36:41
